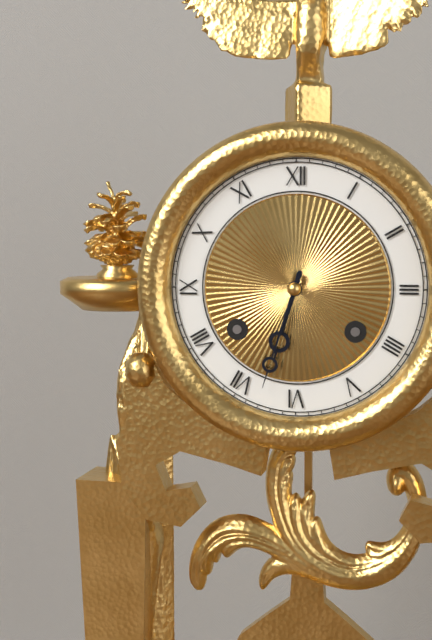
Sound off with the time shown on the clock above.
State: 6:33
